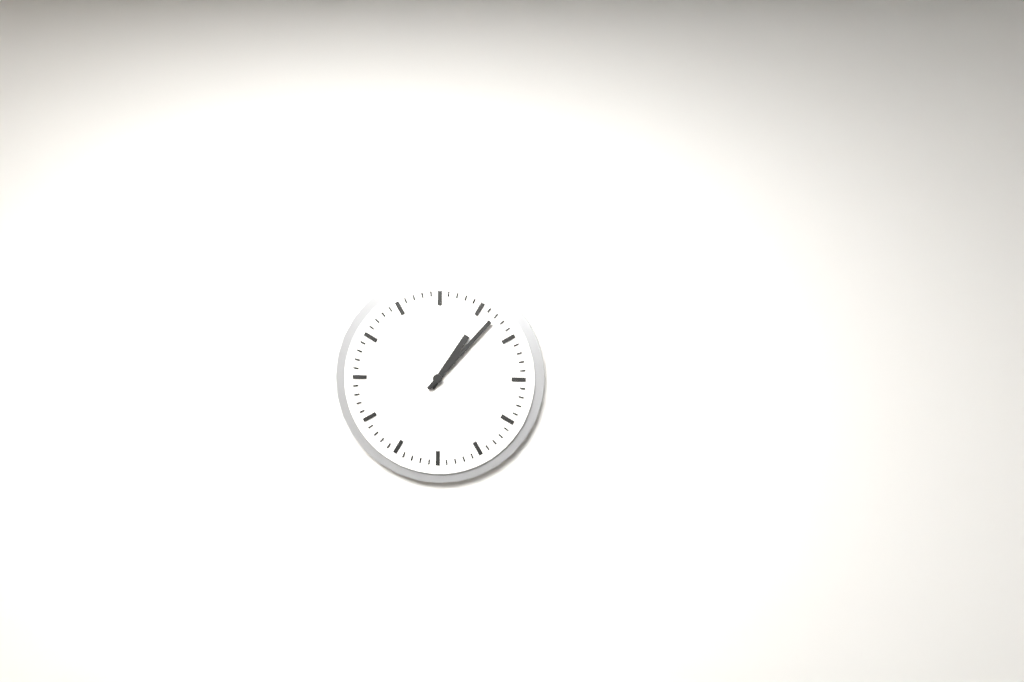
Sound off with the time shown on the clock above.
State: 1:07
